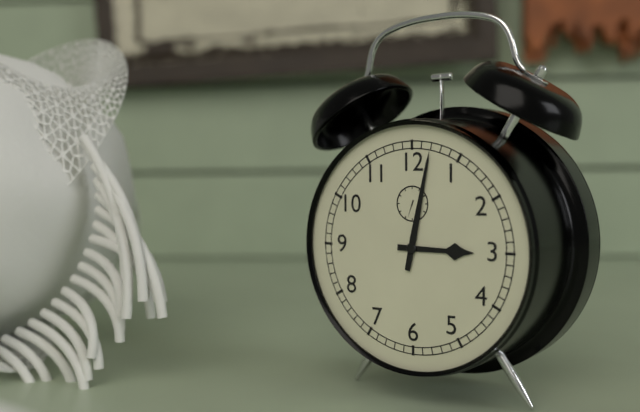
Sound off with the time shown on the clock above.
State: 3:02
